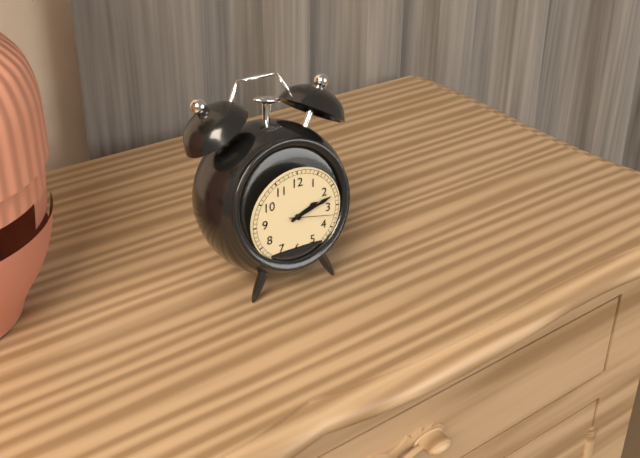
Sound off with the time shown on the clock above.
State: 2:12
